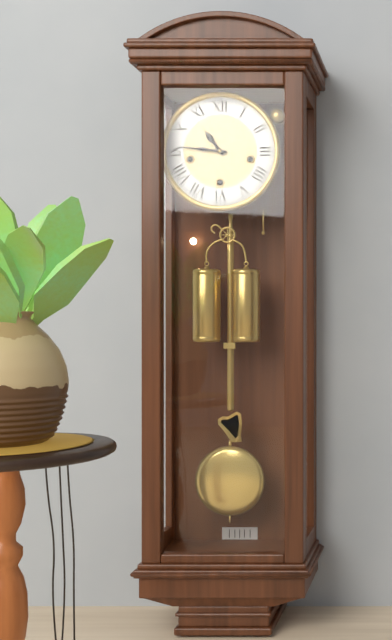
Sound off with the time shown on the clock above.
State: 10:46
